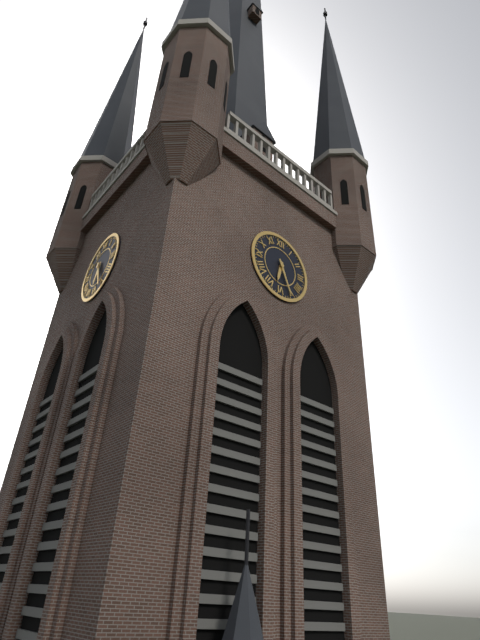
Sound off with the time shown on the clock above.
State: 6:26
